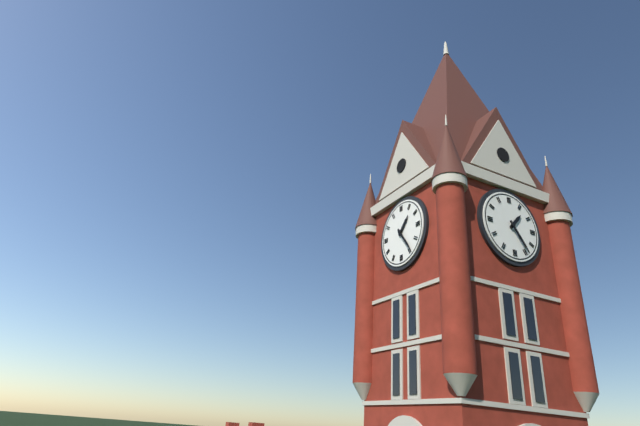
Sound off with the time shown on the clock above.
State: 1:24
